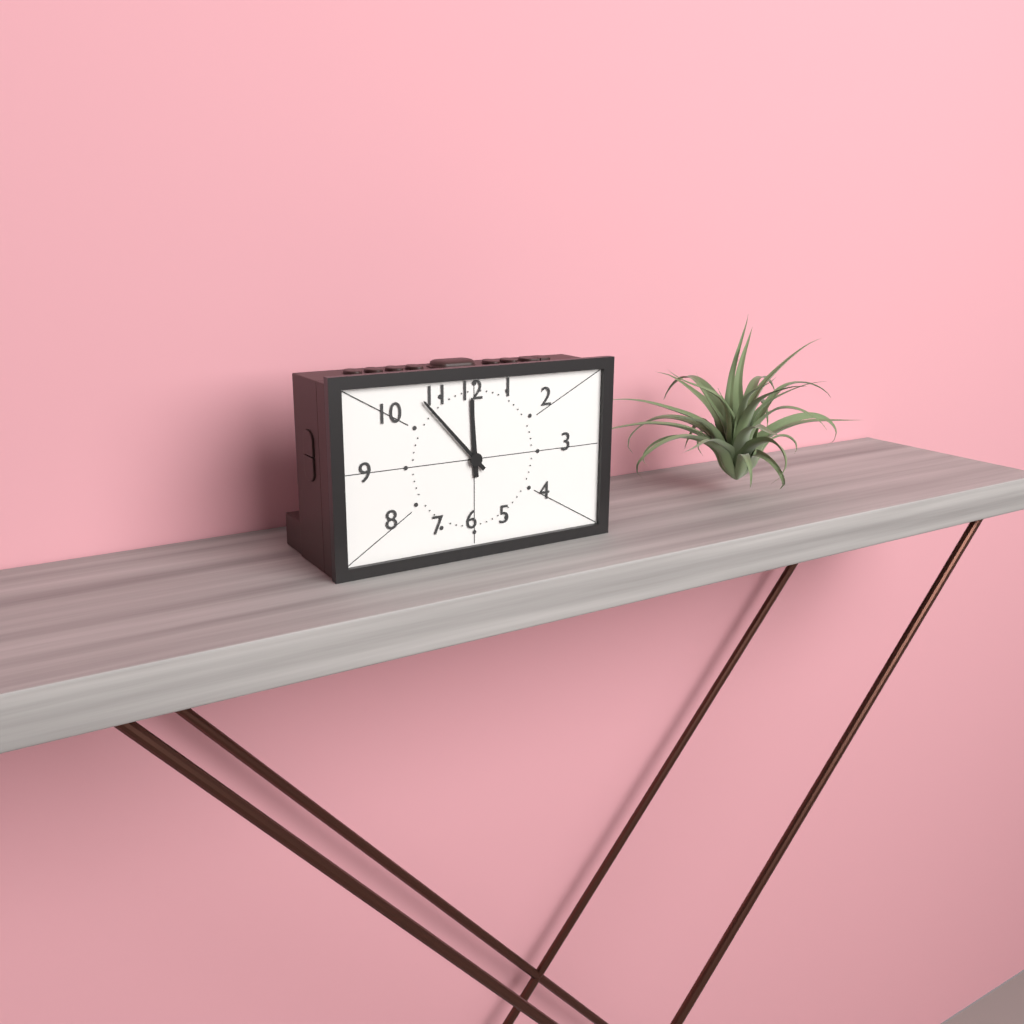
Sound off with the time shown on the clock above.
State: 11:53
